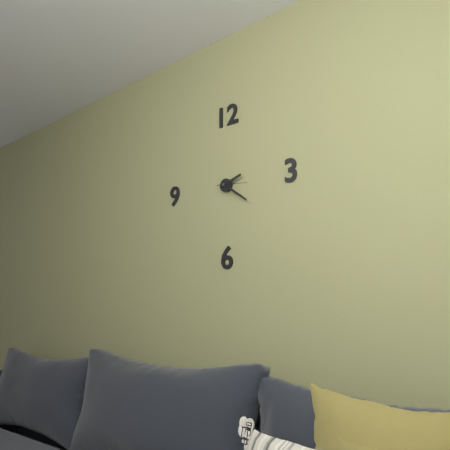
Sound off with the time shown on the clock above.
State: 2:21
